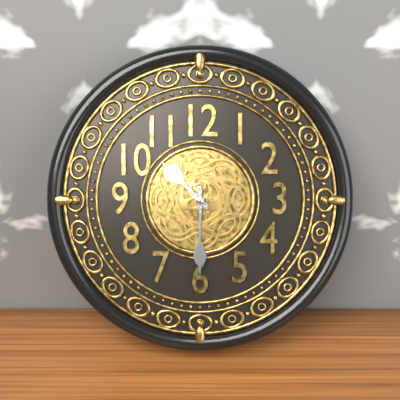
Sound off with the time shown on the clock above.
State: 10:30
